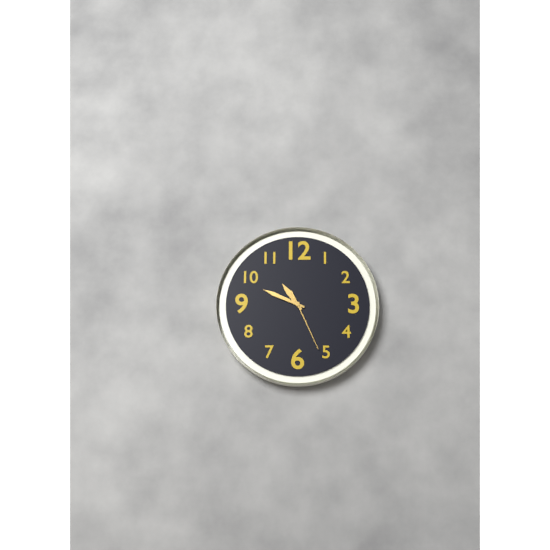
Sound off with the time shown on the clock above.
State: 10:49:26
